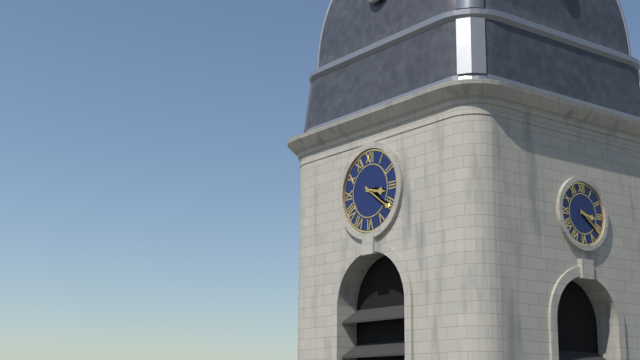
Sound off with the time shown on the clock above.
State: 3:21
